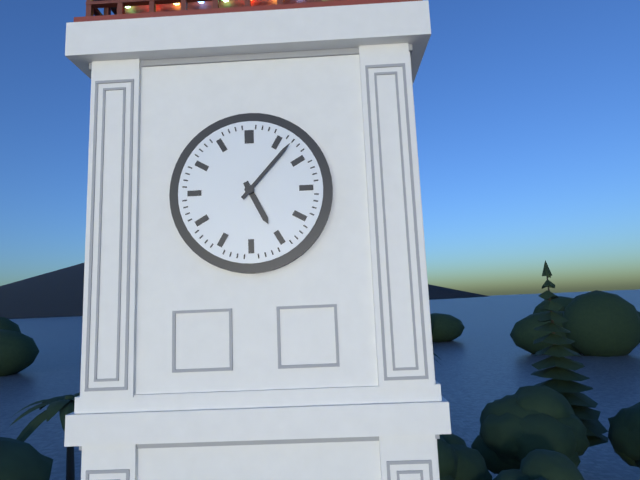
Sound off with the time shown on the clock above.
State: 5:07
